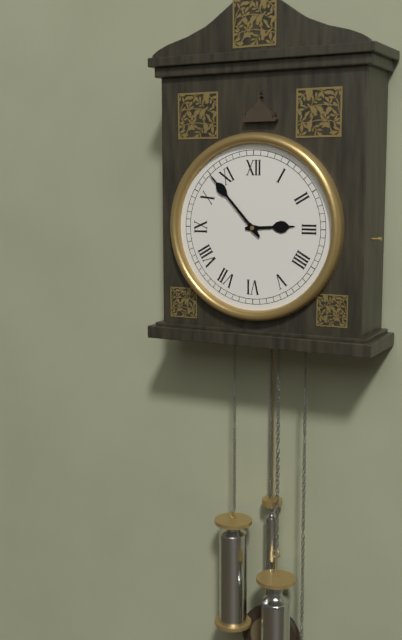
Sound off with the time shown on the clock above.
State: 2:53
